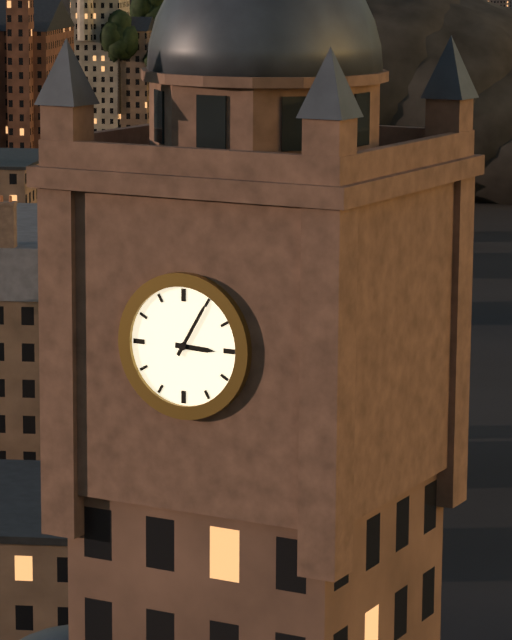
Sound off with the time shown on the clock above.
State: 3:05
